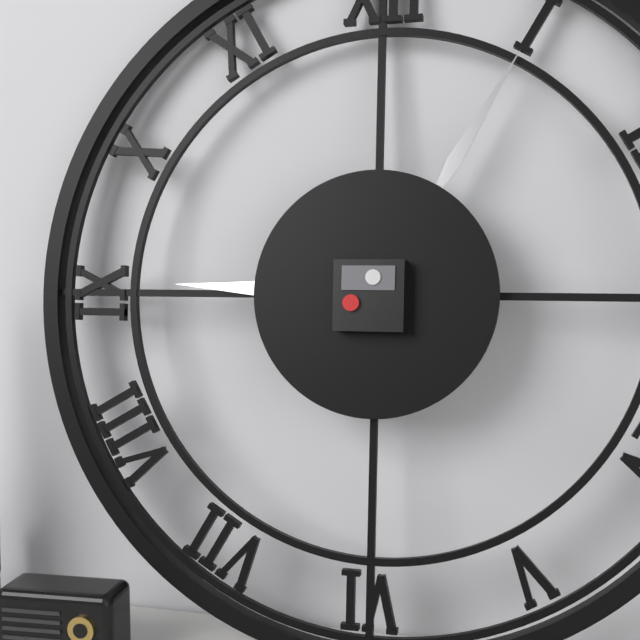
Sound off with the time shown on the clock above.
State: 9:05
